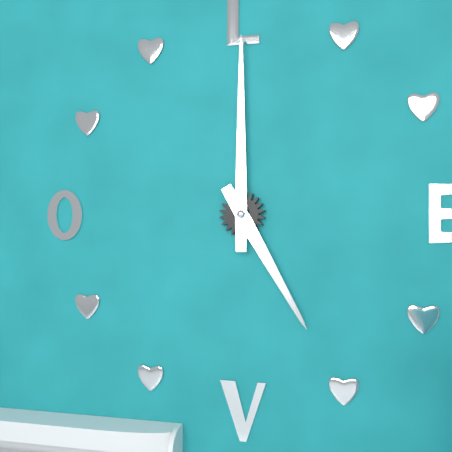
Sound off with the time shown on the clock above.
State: 5:00
